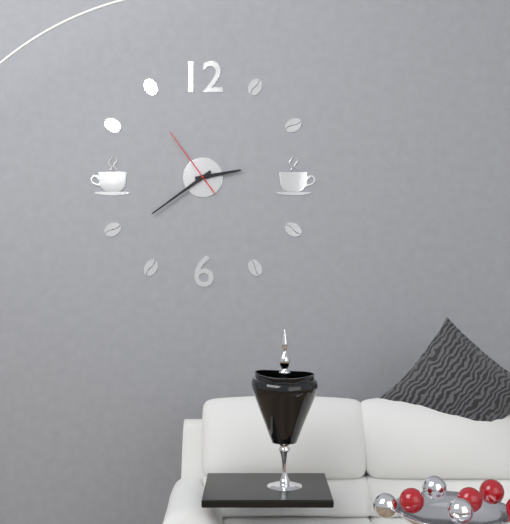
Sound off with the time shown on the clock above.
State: 2:39:54
